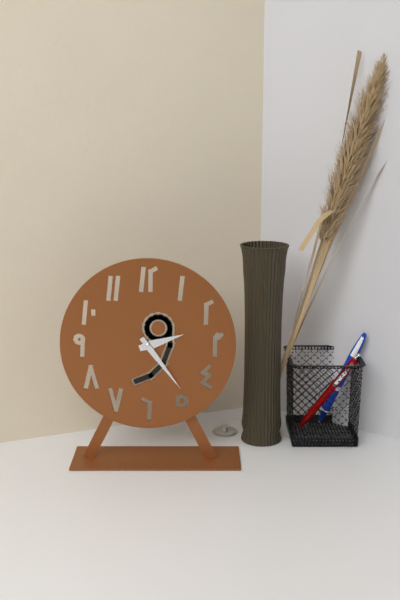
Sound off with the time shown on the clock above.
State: 2:24
